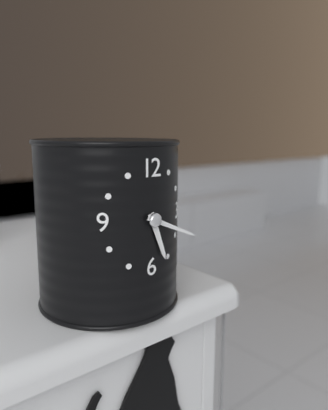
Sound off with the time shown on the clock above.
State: 5:19
